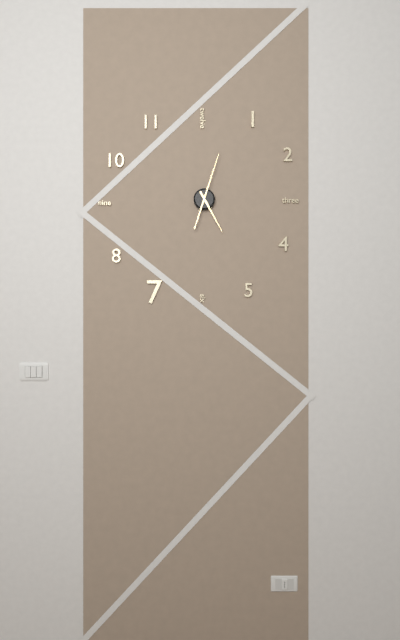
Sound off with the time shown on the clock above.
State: 5:03
